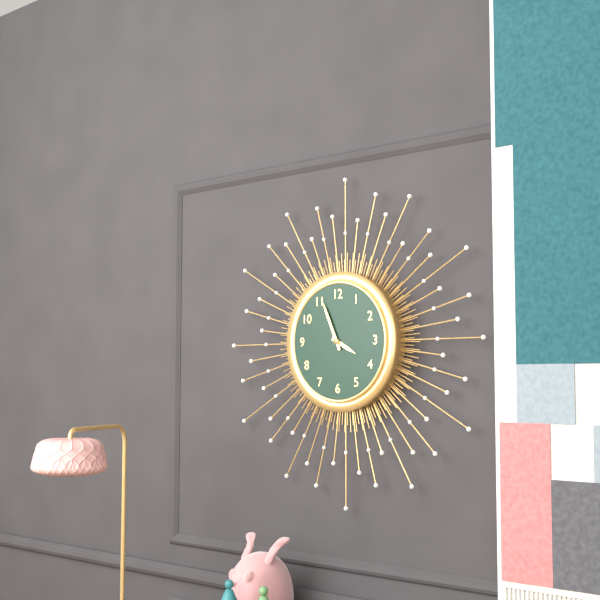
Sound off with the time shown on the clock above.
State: 3:56
